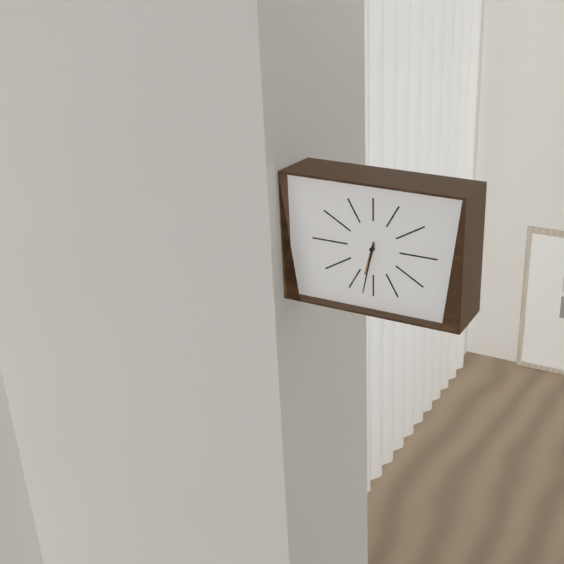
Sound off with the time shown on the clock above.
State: 6:32
